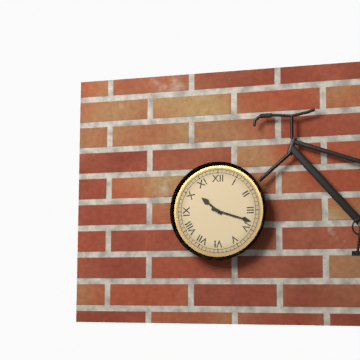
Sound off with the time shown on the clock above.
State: 10:18
